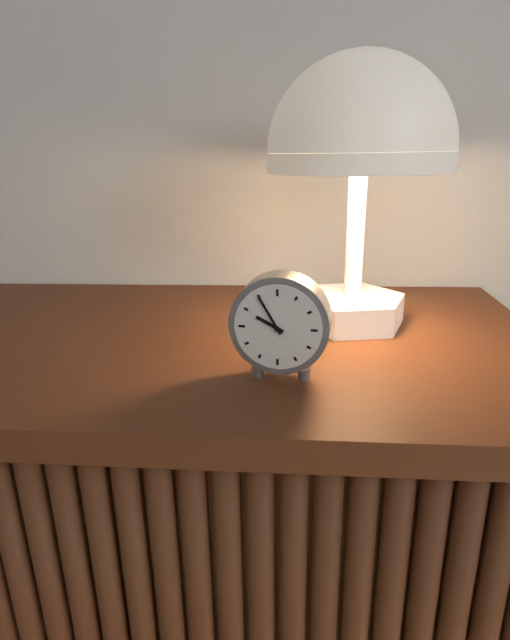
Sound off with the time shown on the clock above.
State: 9:55
